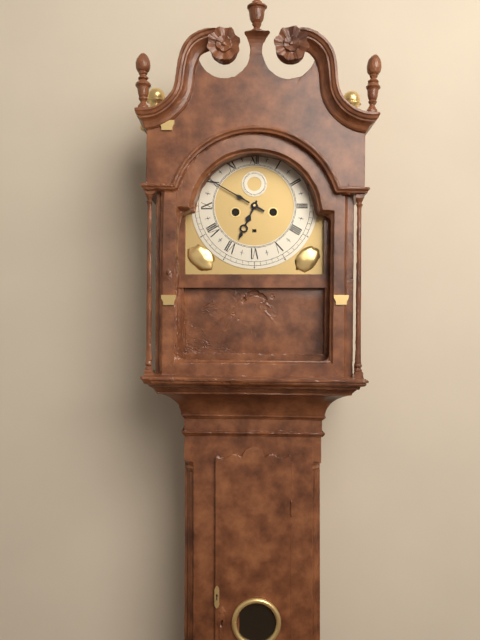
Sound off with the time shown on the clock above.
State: 6:50
